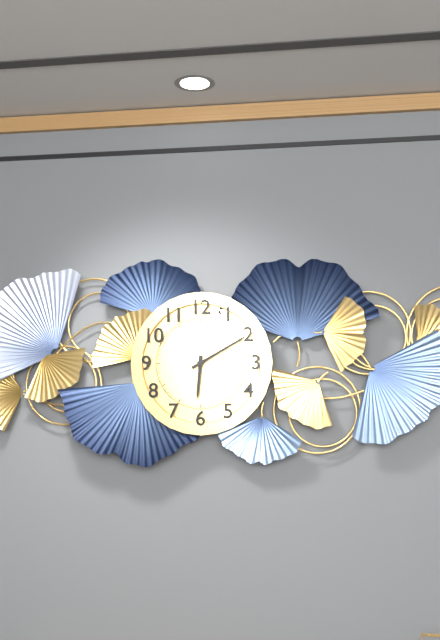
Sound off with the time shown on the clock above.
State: 6:10
